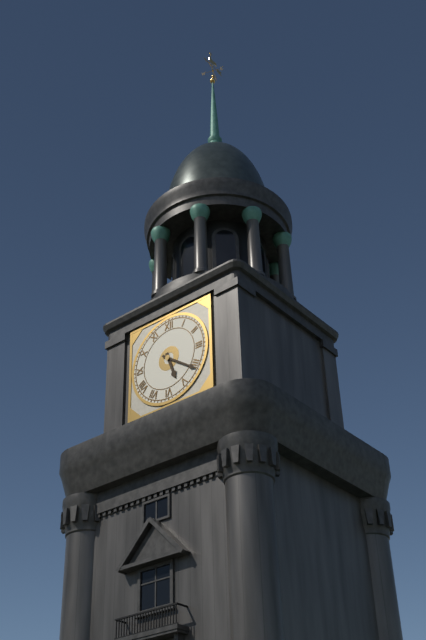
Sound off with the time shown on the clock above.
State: 5:21
